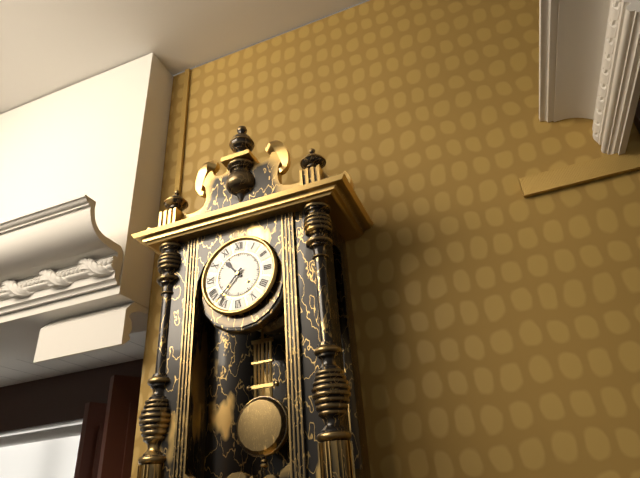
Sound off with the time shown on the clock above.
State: 10:37
